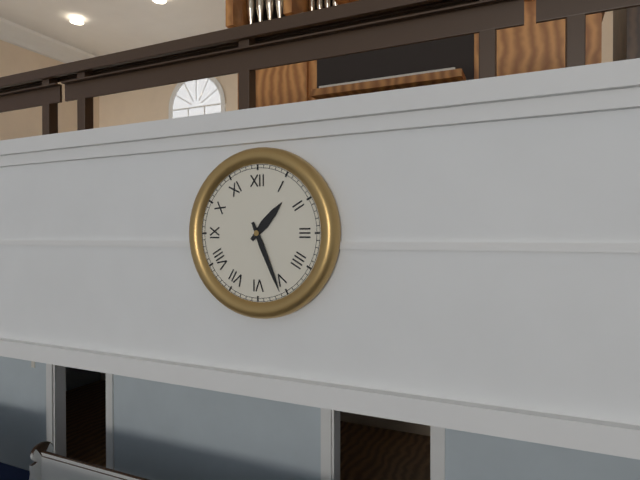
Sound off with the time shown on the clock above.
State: 1:26
